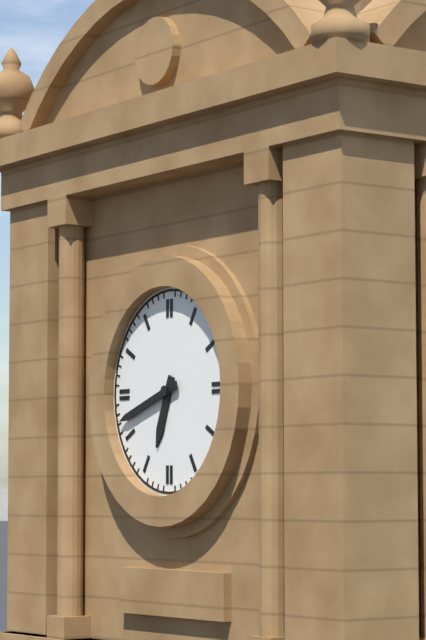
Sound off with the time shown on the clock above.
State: 6:42
